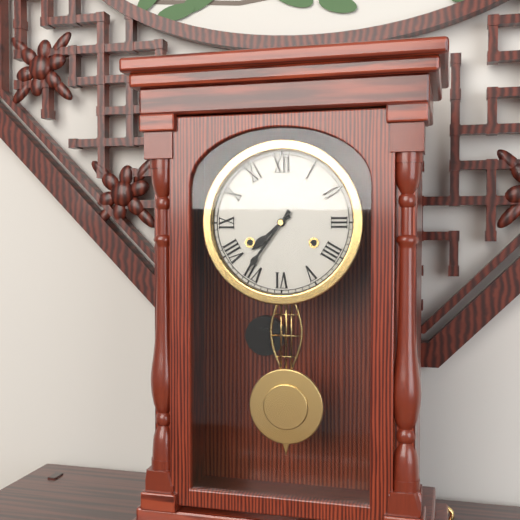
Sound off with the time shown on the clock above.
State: 7:36
